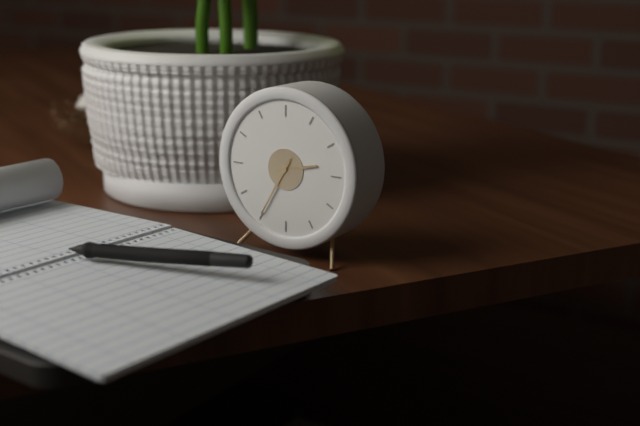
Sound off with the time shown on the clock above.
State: 2:35
